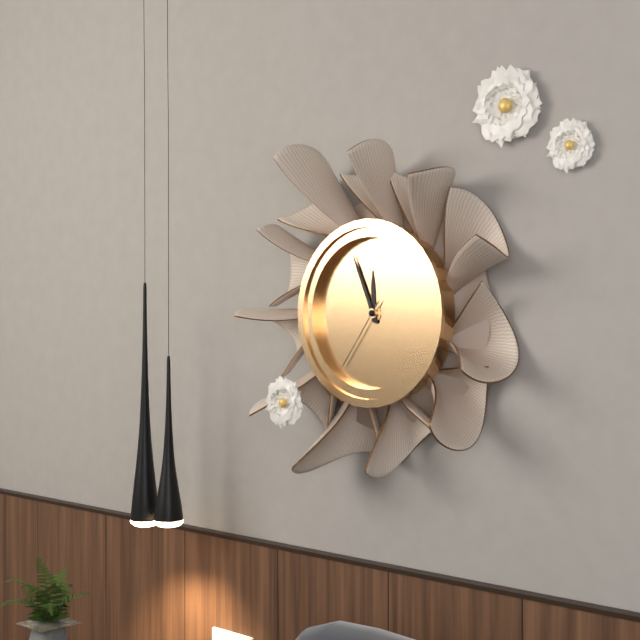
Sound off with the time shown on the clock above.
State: 11:56:36
